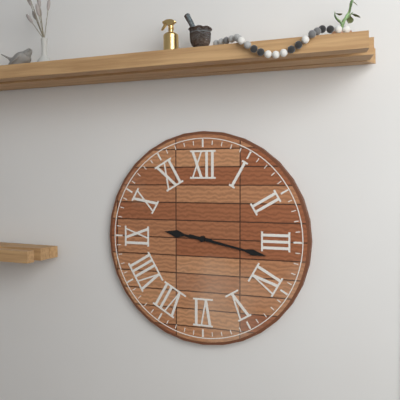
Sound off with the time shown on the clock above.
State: 9:17
